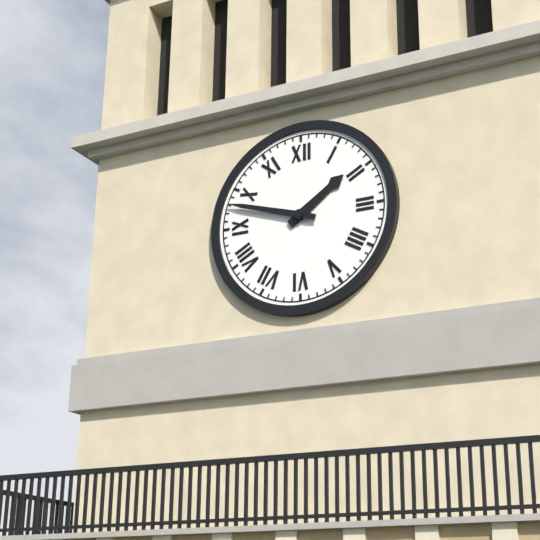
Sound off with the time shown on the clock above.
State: 1:48
